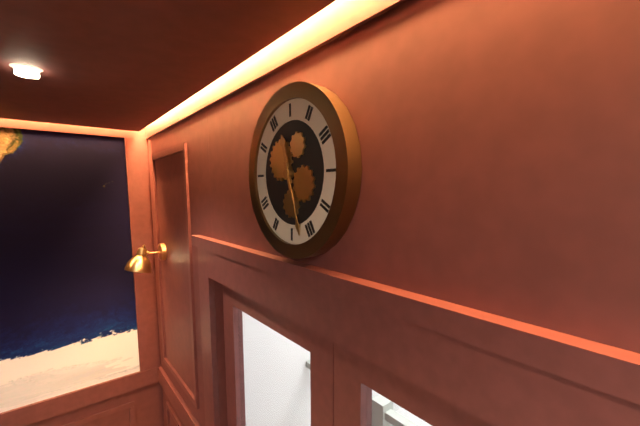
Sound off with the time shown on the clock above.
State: 11:27
